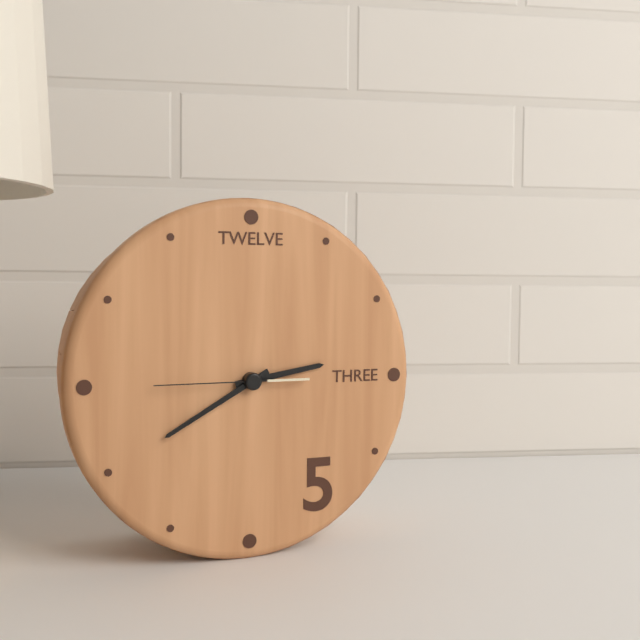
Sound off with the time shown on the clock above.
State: 2:40:45
